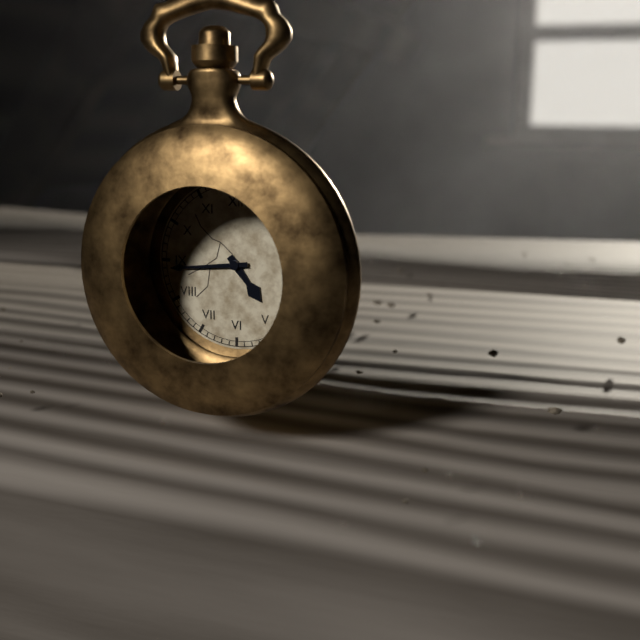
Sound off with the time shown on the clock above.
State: 4:44
